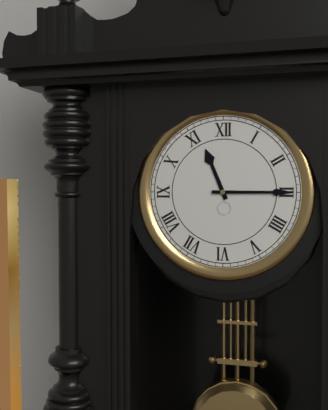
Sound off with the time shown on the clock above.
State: 11:15
